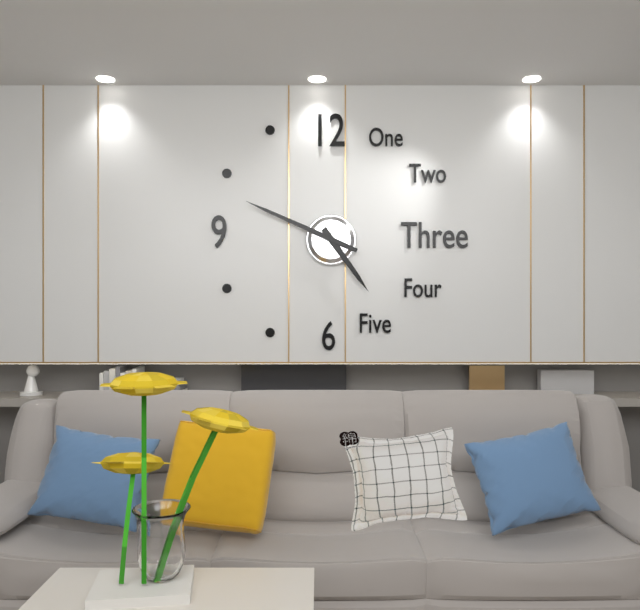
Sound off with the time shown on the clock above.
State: 4:49
